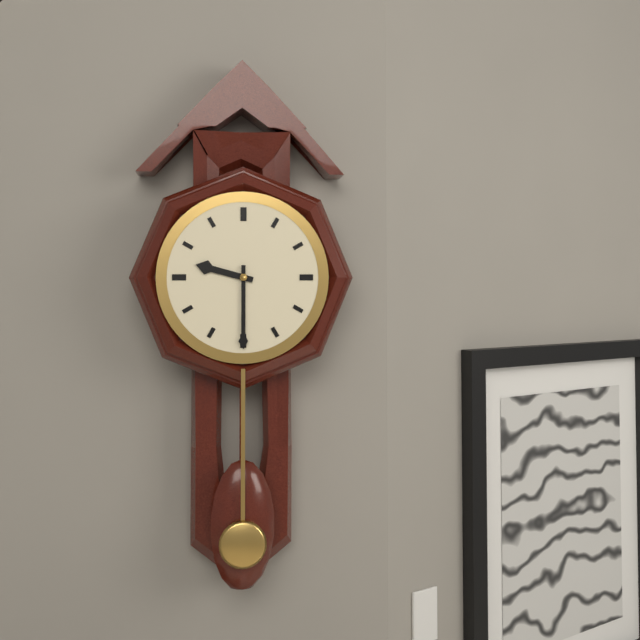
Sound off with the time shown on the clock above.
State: 9:30
